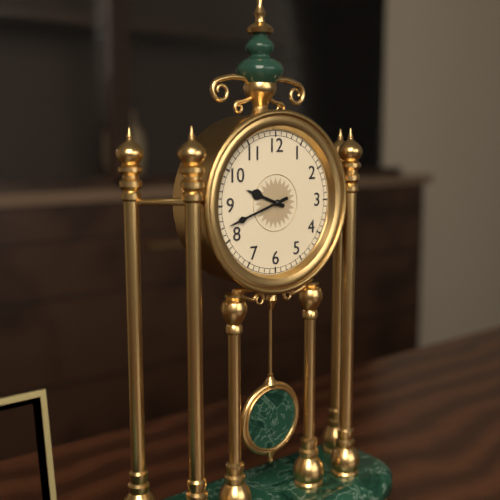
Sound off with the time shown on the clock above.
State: 9:42
